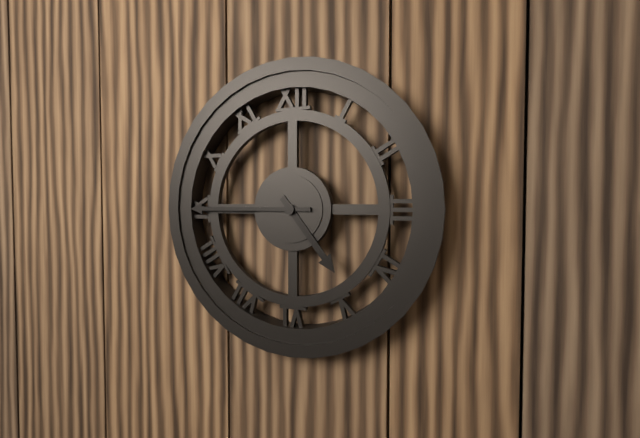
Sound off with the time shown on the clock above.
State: 4:45
